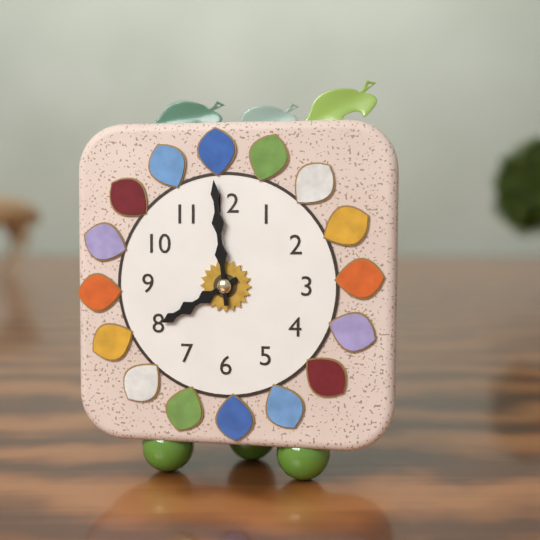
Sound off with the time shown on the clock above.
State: 7:59
